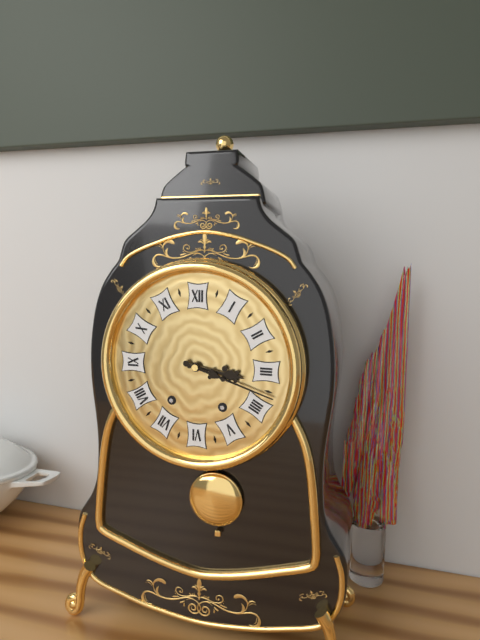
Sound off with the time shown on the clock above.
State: 3:18
